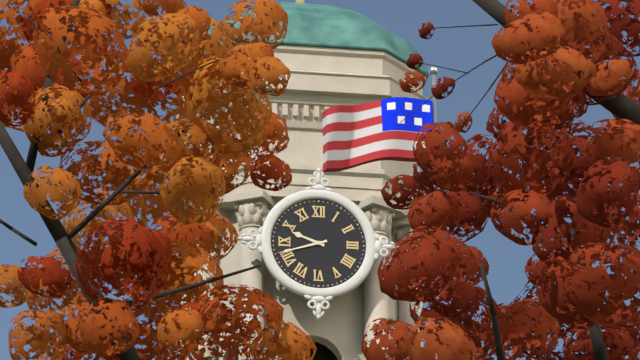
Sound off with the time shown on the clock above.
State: 9:42
